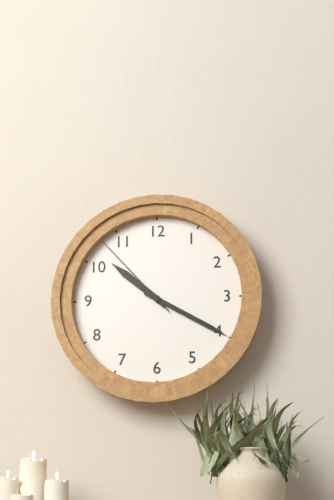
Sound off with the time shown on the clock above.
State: 10:20:53
